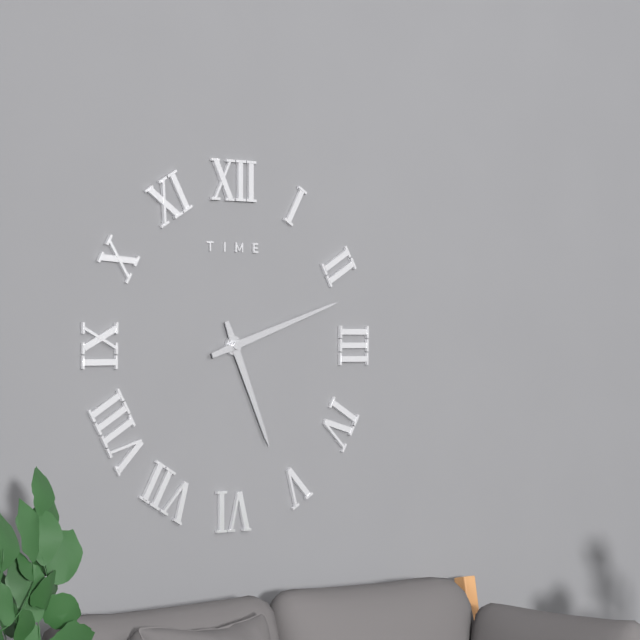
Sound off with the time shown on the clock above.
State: 5:12
